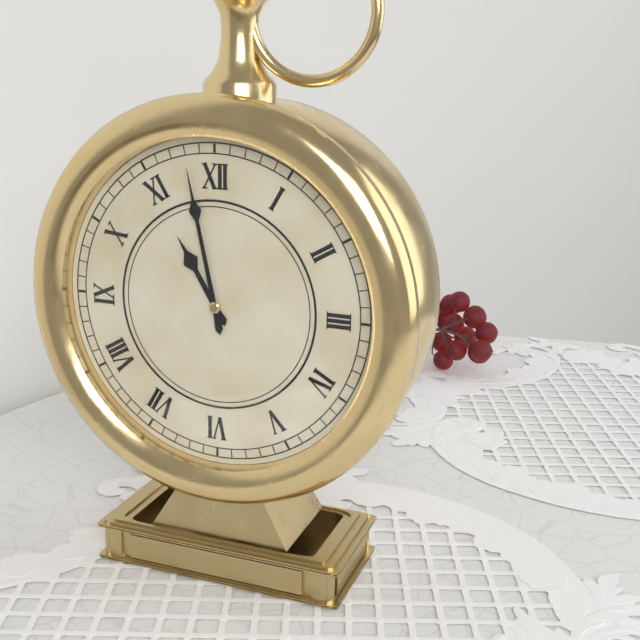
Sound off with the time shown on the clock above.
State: 10:58
